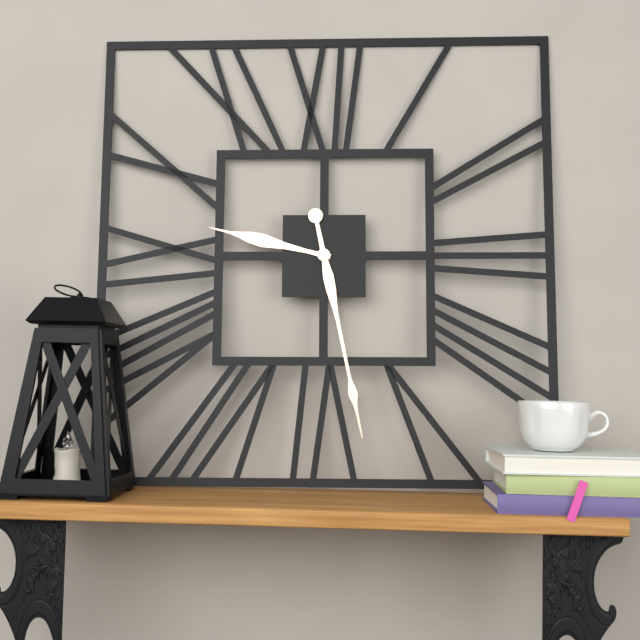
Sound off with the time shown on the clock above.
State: 9:28
